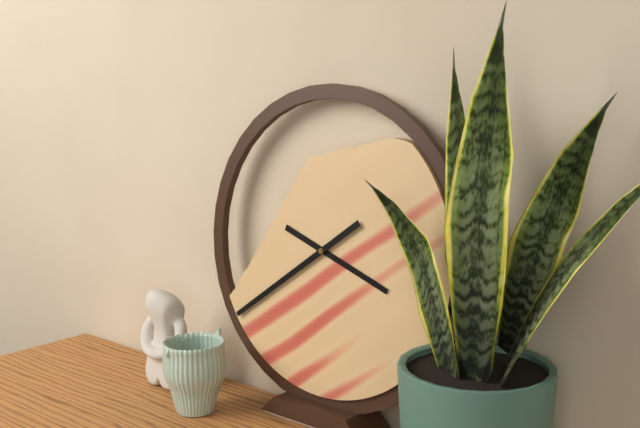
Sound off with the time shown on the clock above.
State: 3:39
